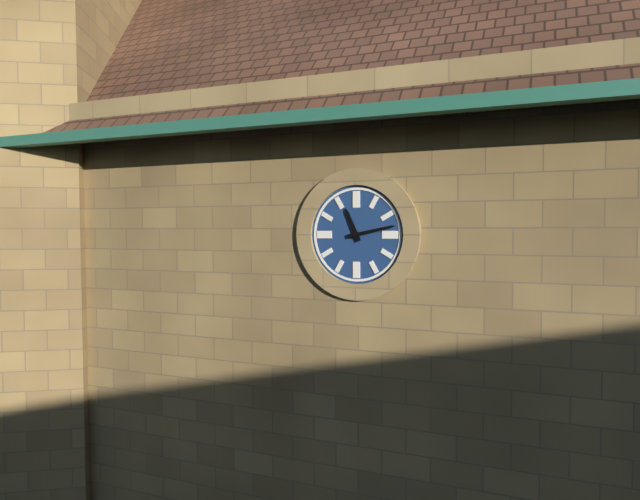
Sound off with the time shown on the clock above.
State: 11:13
